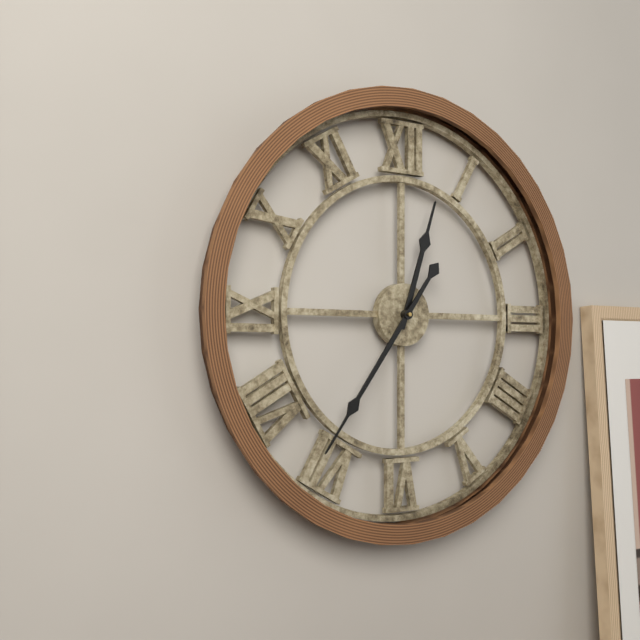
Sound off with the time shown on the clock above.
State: 12:36
